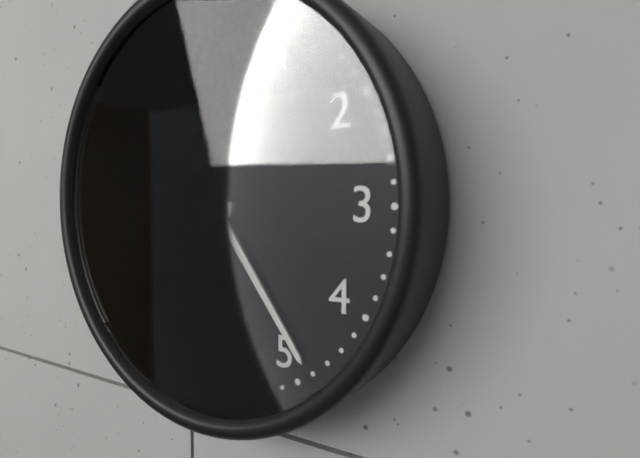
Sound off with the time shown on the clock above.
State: 9:24
